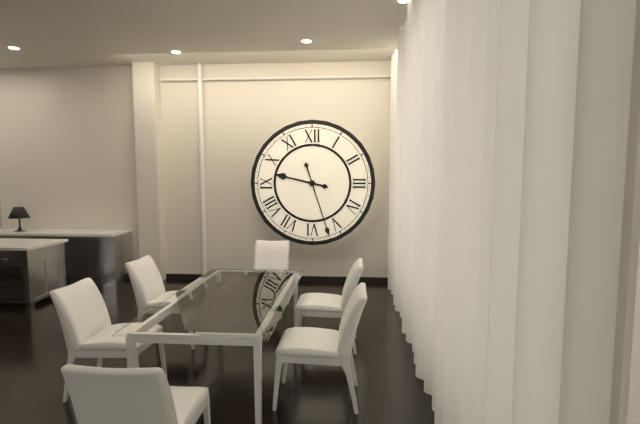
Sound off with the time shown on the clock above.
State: 9:27
